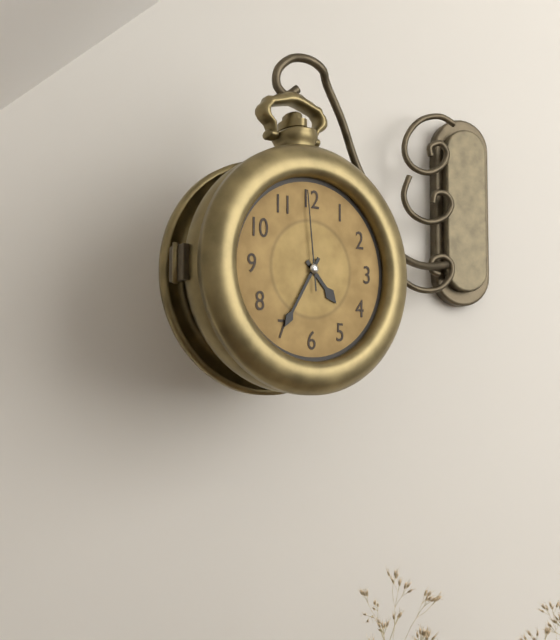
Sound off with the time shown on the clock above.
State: 4:35:59
